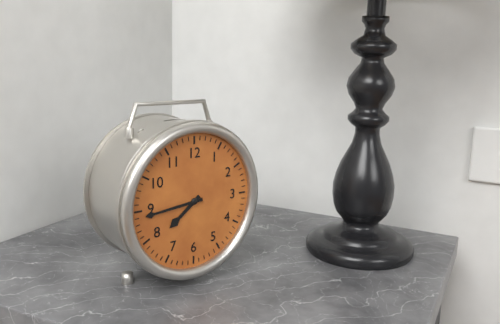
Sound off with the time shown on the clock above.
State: 7:44
